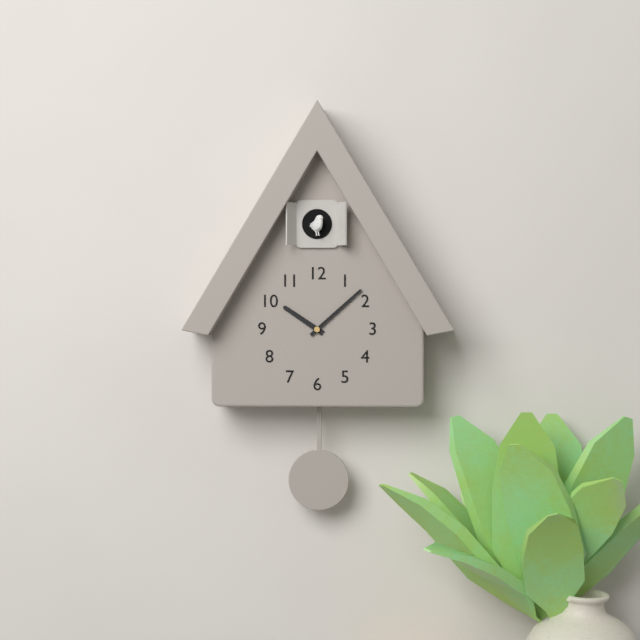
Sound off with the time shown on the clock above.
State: 10:08
